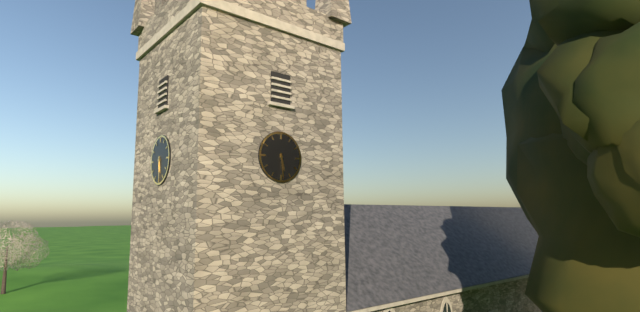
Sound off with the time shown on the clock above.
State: 5:29
